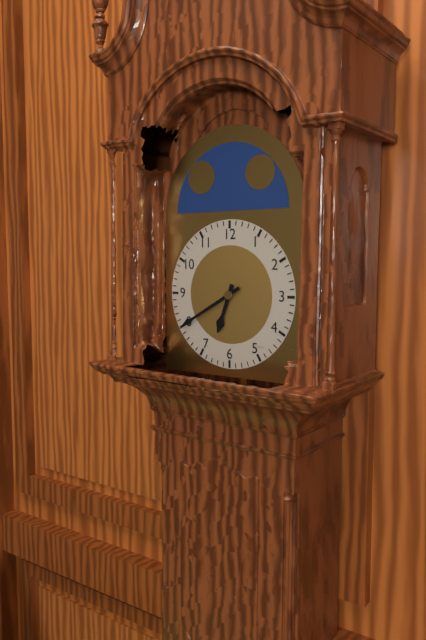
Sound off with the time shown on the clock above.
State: 6:40
